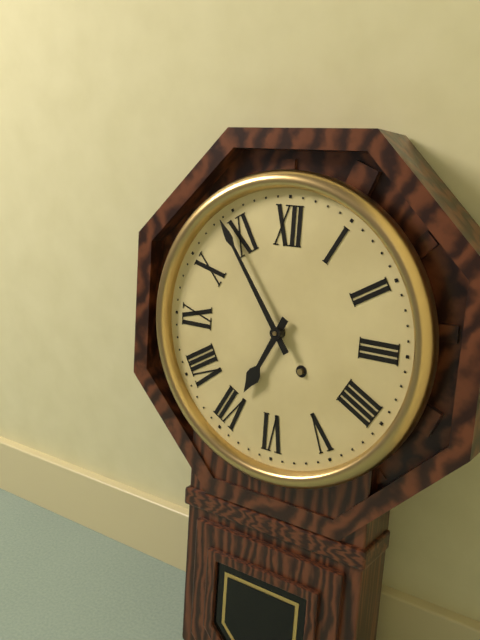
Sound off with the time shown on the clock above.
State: 6:54
